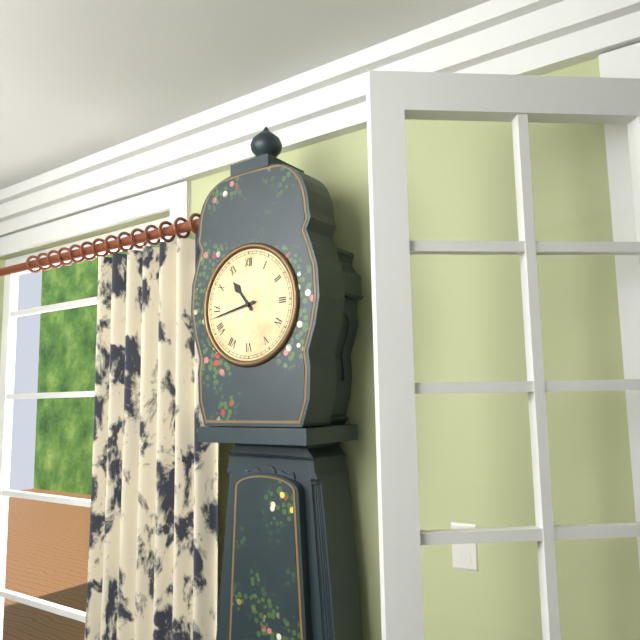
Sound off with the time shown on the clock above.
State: 10:43
